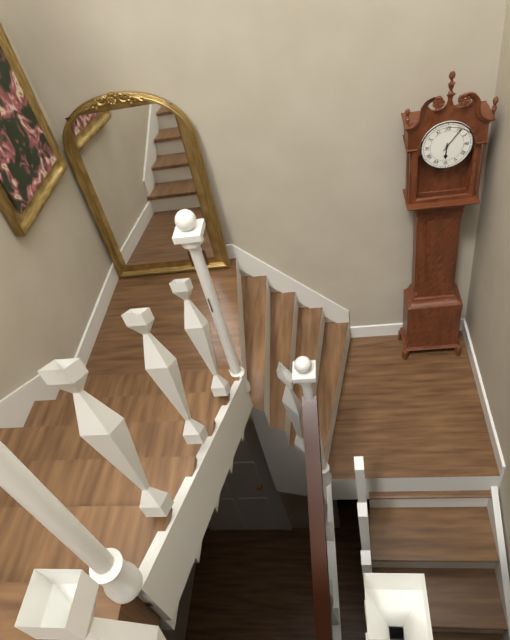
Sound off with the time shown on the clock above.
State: 6:06
